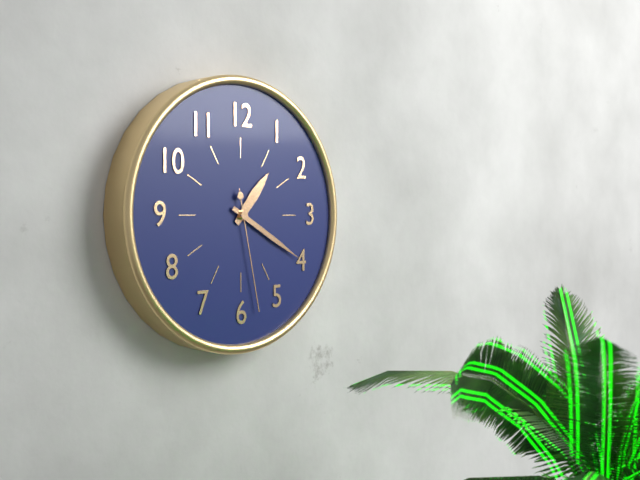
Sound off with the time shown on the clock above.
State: 1:20:28
